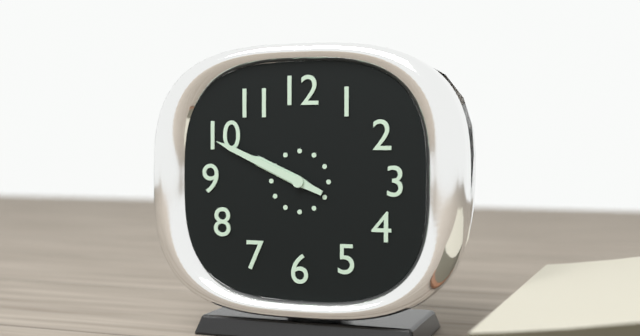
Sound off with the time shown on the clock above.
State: 9:49
